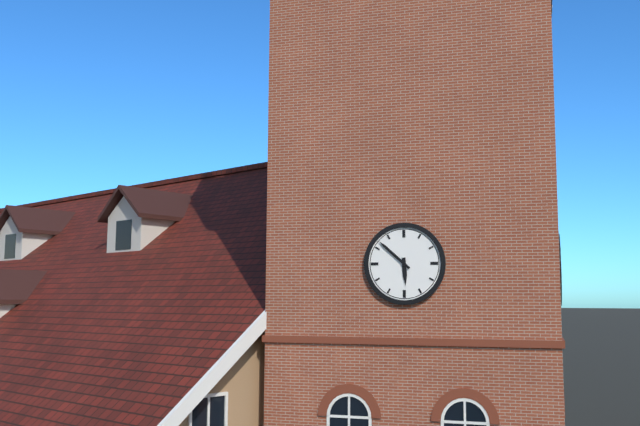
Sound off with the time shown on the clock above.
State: 5:52
